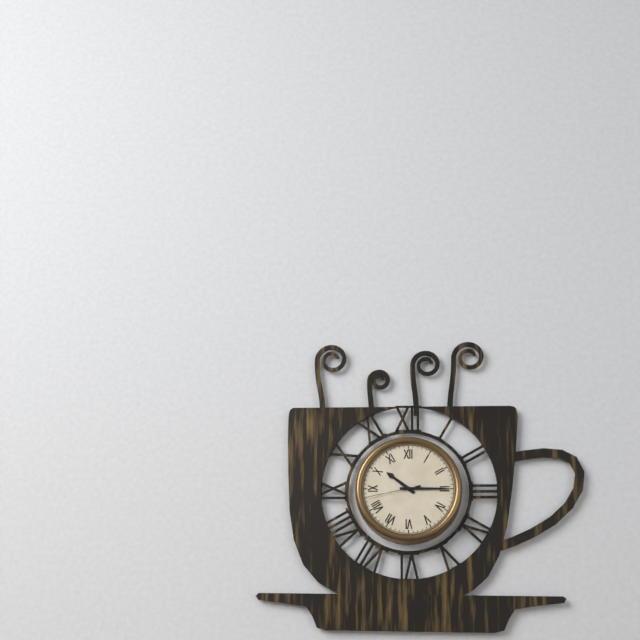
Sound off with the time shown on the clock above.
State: 10:15:43
